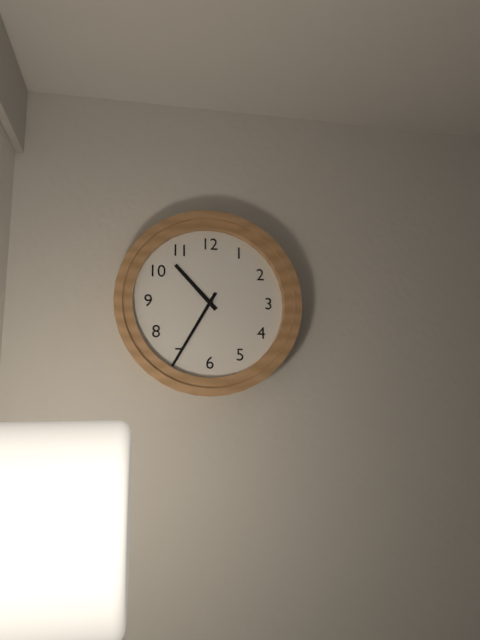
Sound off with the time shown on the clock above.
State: 10:35
